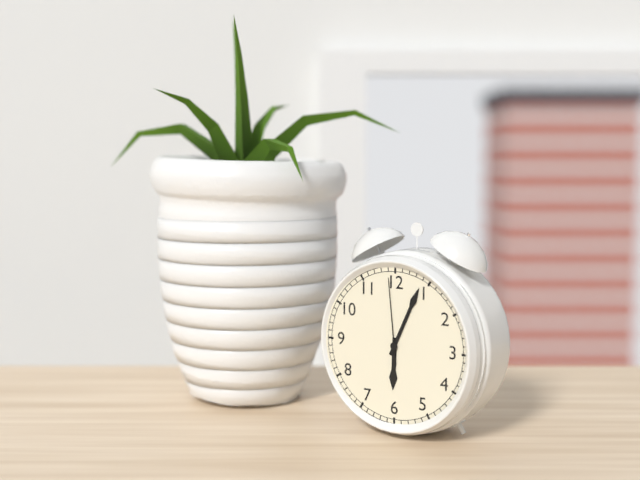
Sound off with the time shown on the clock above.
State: 6:04:59
